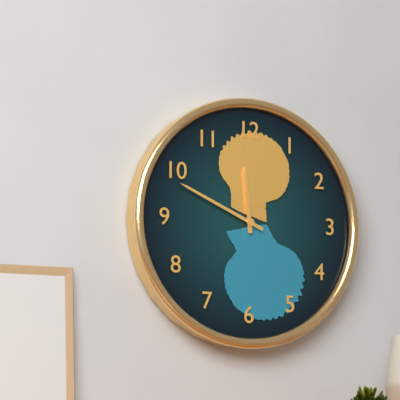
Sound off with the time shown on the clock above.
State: 11:49
